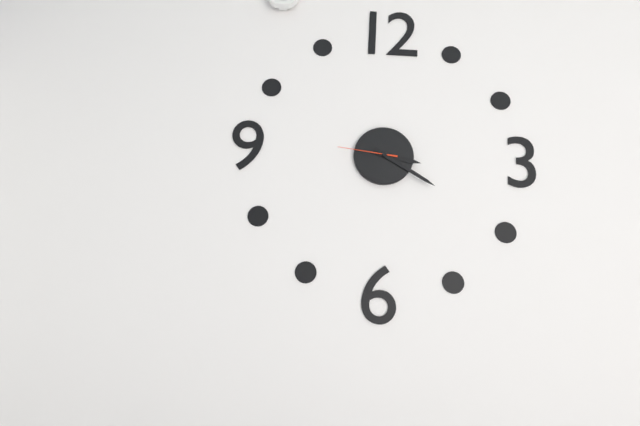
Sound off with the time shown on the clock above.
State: 3:20:46
